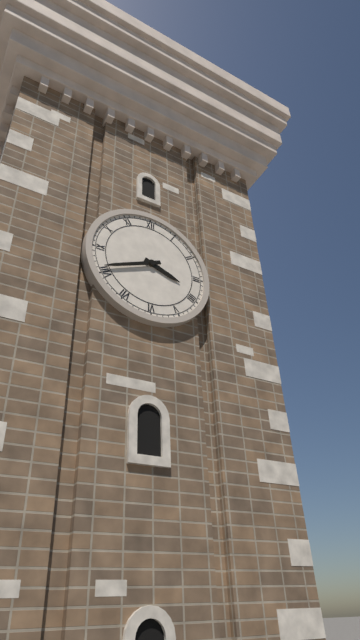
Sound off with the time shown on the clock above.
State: 3:41
